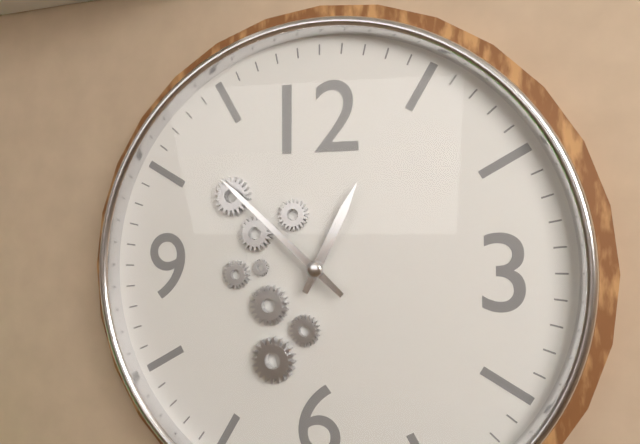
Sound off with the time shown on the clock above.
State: 12:52
